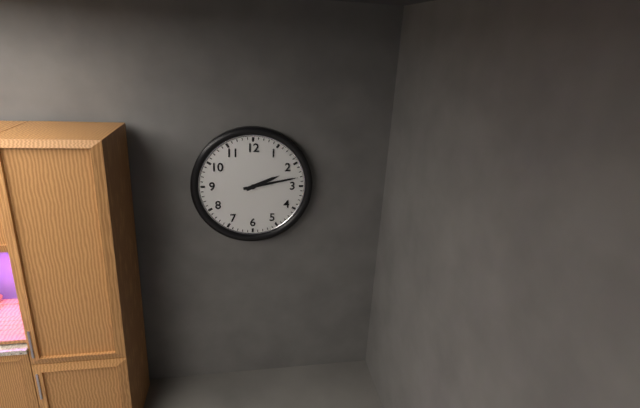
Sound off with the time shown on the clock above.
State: 2:13
